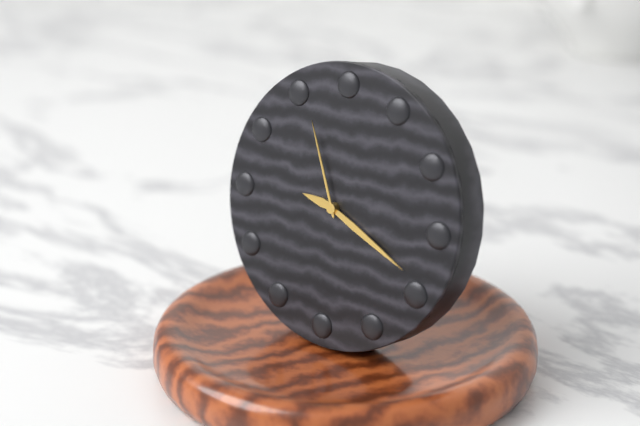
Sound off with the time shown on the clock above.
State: 9:19:56
